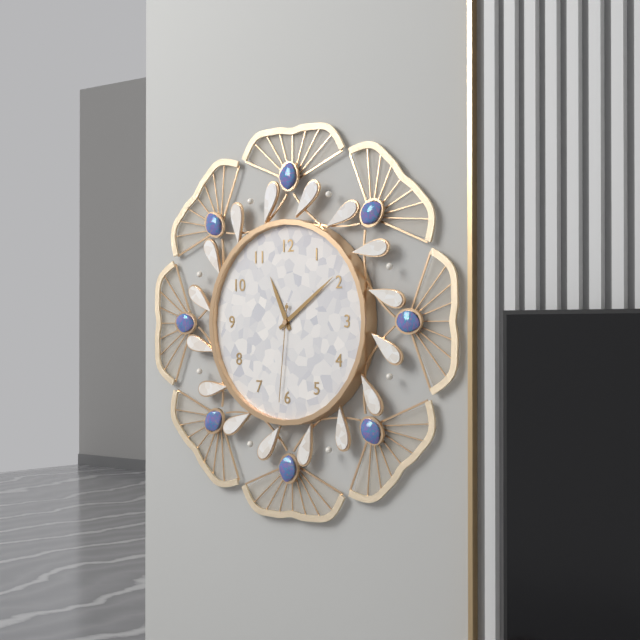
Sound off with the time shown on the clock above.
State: 11:09:31
